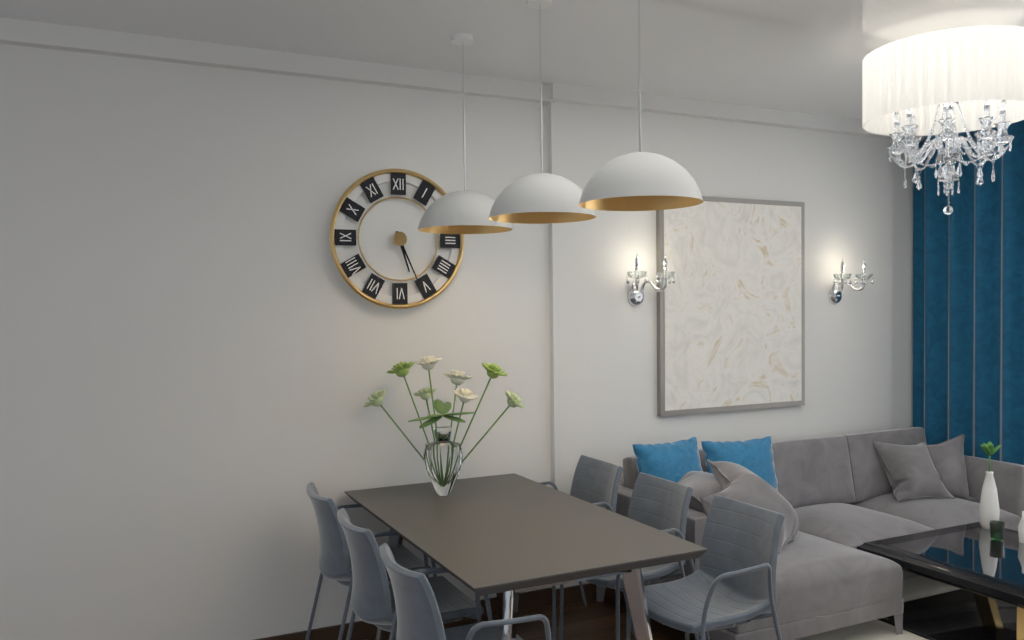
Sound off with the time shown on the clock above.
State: 5:26
